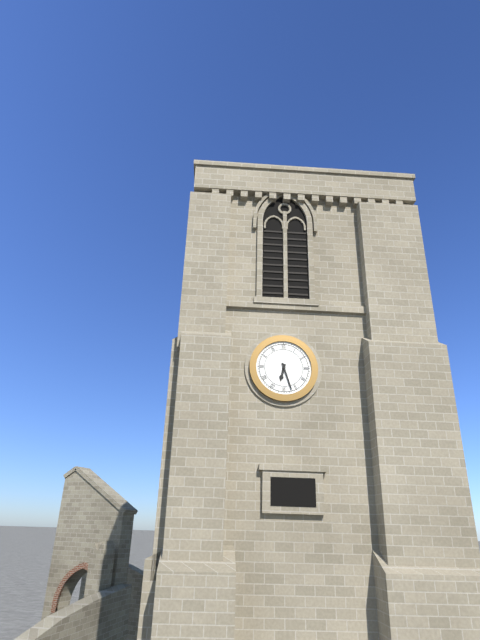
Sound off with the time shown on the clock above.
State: 6:27
